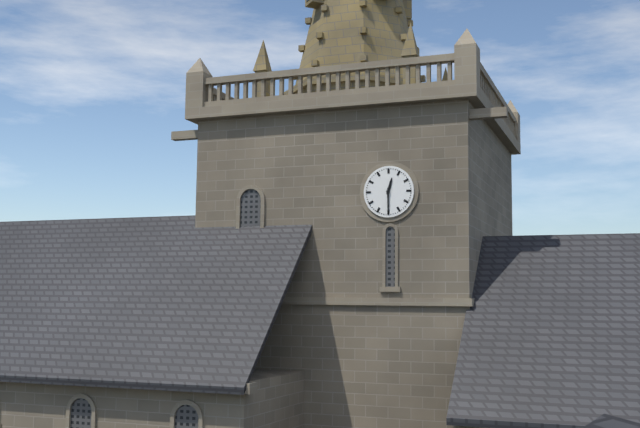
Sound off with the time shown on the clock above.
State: 12:30
